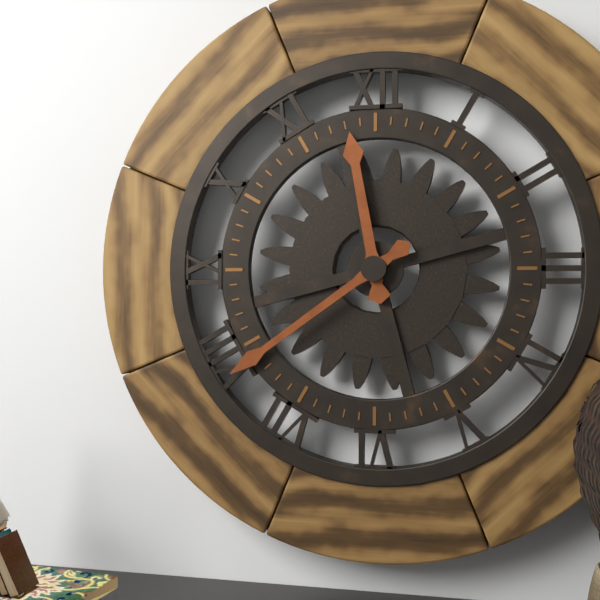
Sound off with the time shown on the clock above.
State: 11:39
